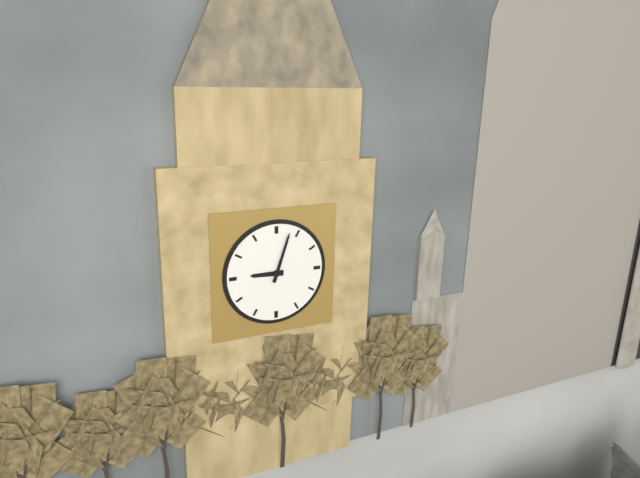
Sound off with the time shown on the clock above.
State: 9:03
